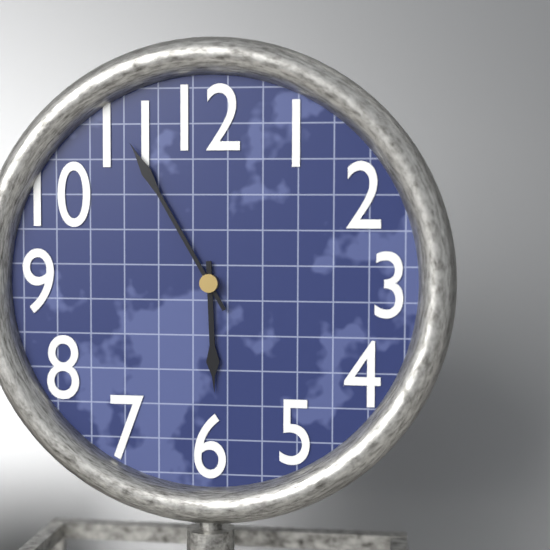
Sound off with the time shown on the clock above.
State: 5:55
